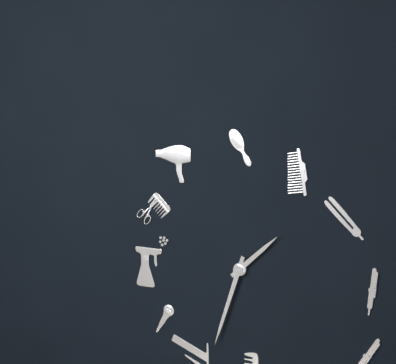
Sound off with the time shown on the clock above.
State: 1:33
